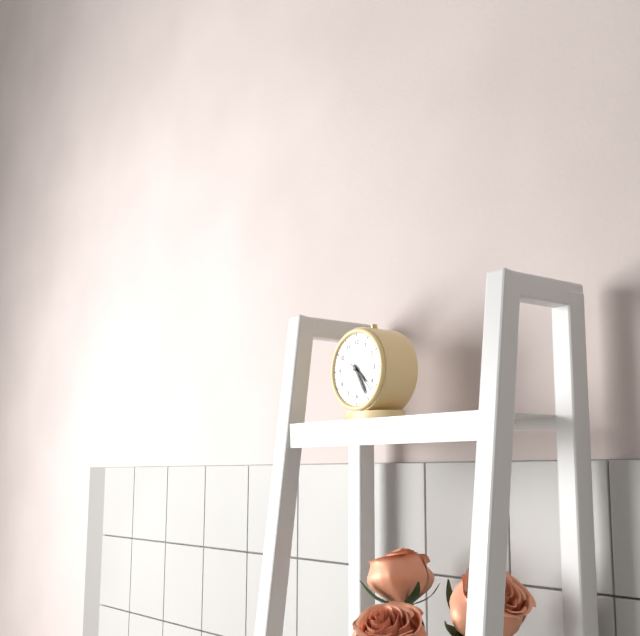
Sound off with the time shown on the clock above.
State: 4:25
